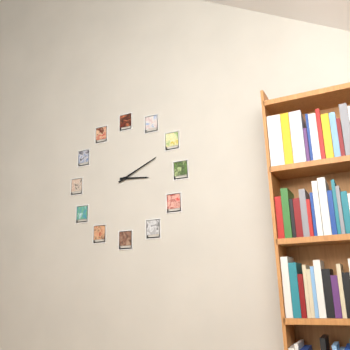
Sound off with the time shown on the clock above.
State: 3:11
